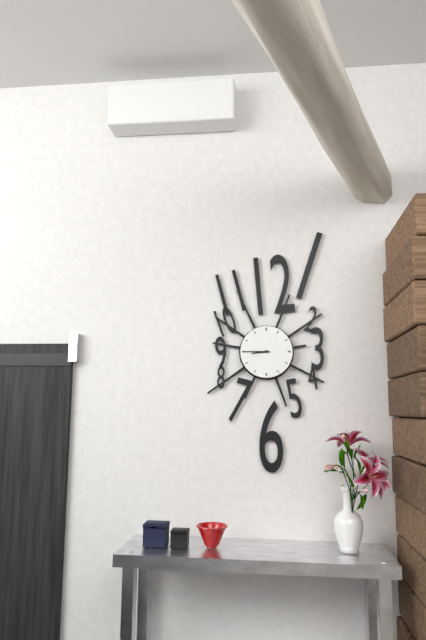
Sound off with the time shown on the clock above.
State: 8:45
